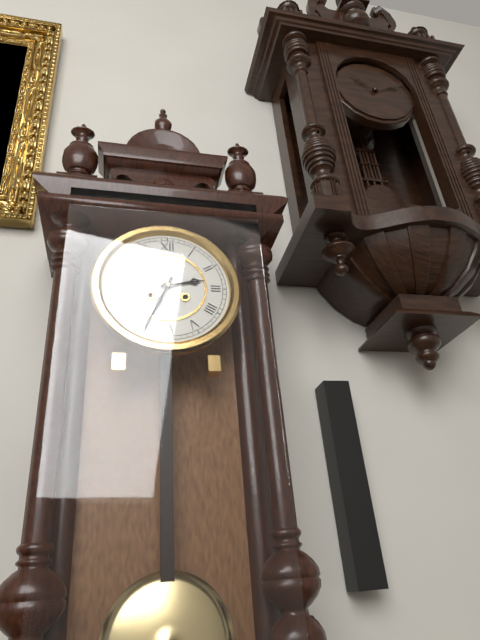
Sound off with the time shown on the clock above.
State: 2:34
